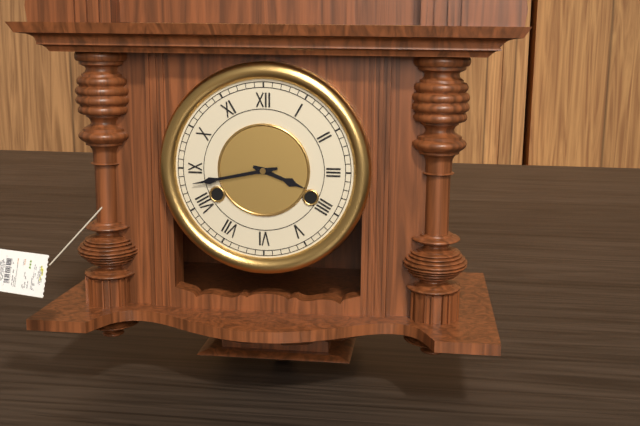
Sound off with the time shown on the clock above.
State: 3:43
